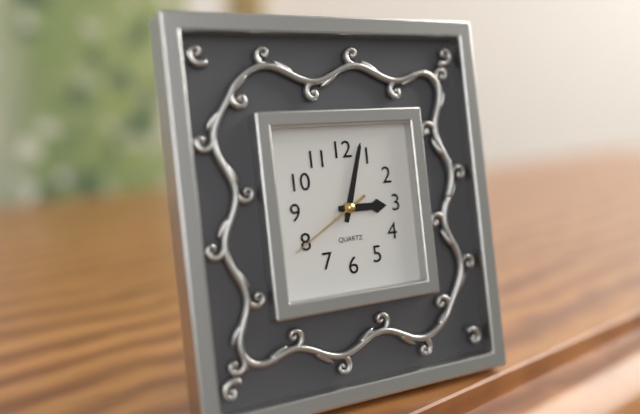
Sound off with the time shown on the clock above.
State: 3:03:40
